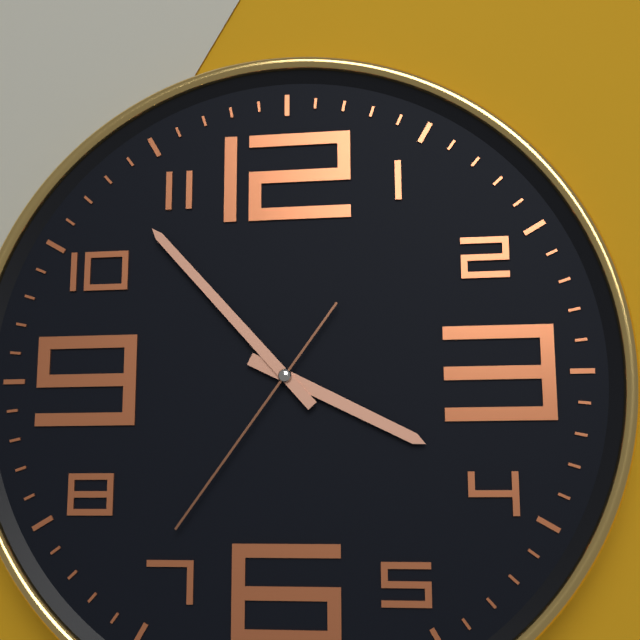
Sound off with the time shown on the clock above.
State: 3:53:36
